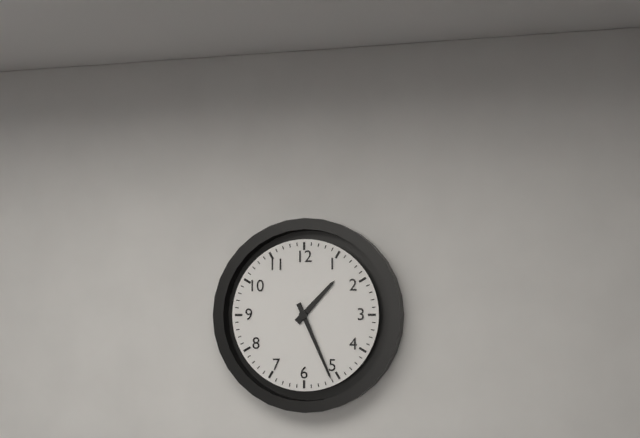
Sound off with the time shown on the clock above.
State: 1:26
